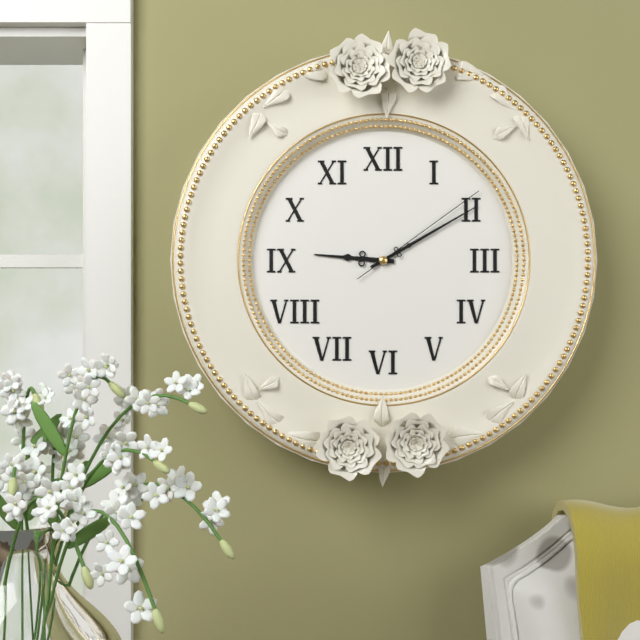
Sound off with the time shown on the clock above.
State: 9:10:09
